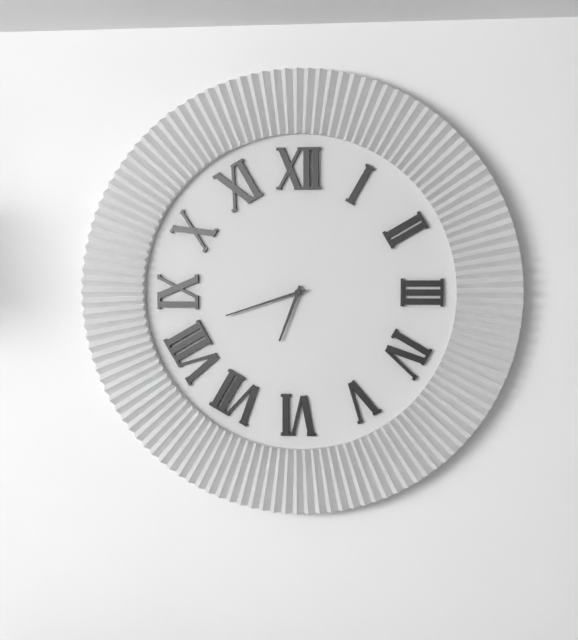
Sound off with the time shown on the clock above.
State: 6:42
